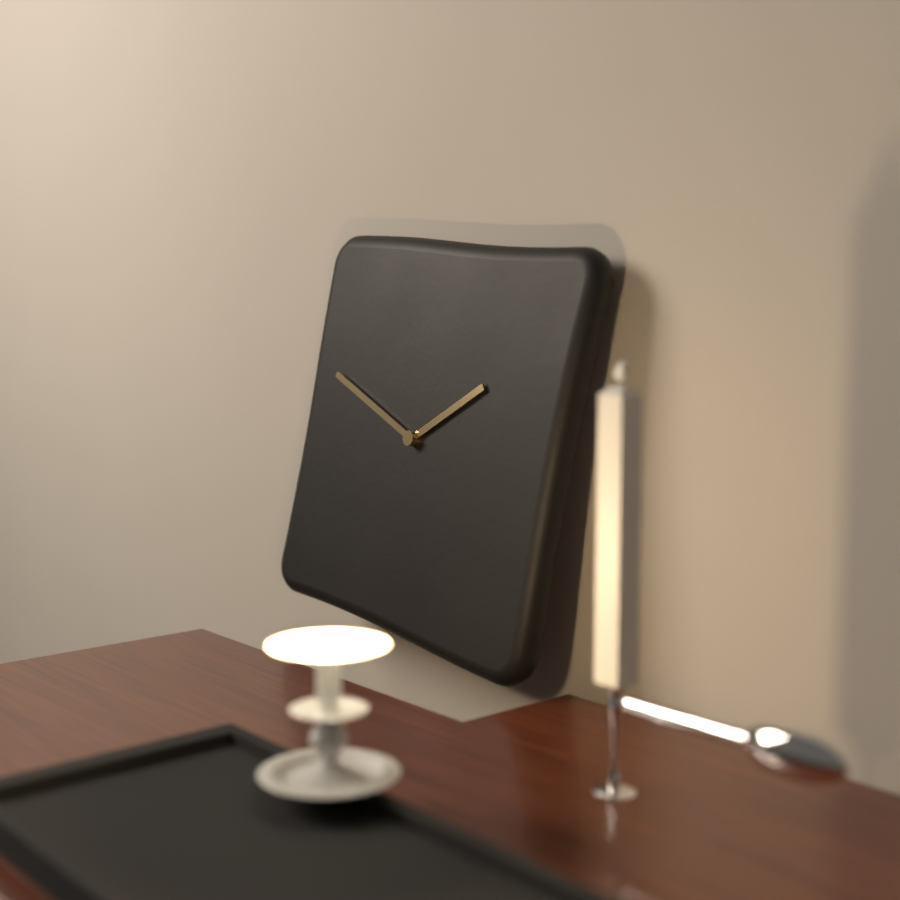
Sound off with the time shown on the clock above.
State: 1:48
